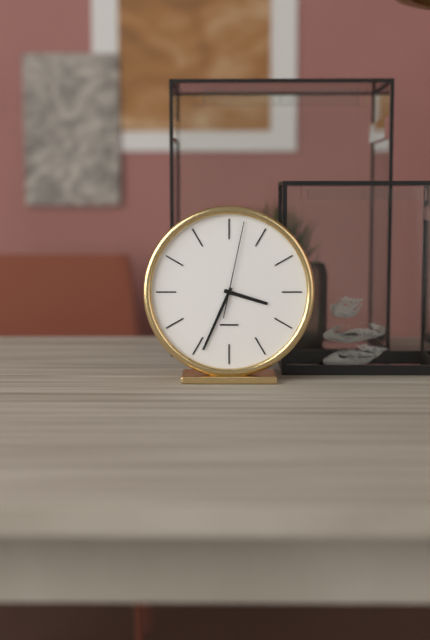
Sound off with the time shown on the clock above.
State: 3:34:02
